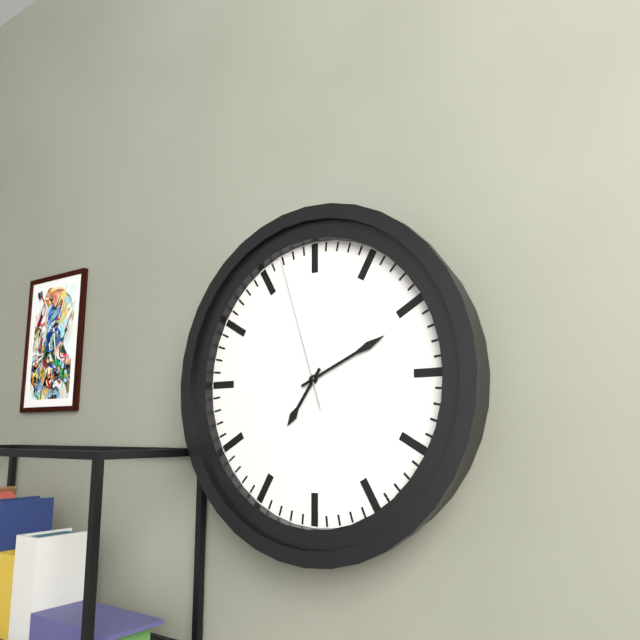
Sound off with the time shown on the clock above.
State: 7:11:57
